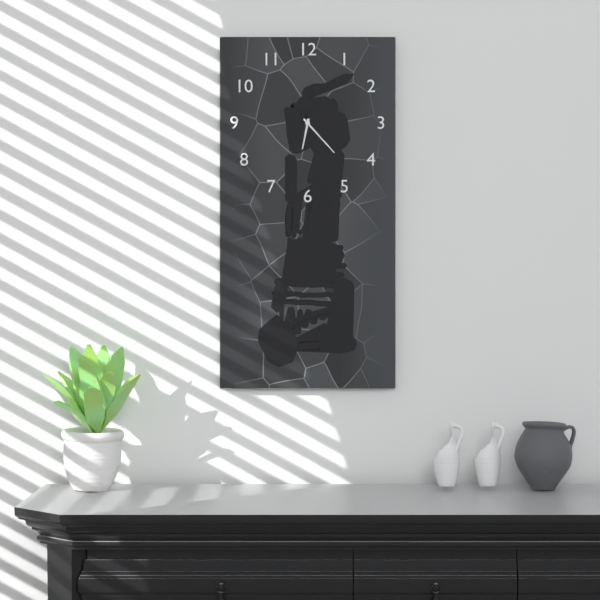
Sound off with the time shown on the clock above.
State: 6:23
